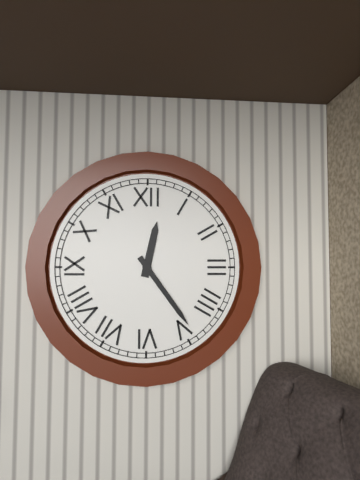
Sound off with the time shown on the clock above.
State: 12:24
